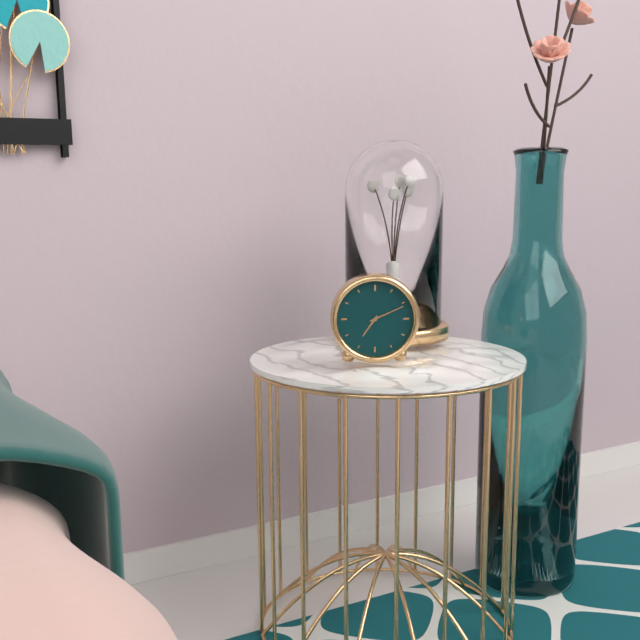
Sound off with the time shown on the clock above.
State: 7:11
